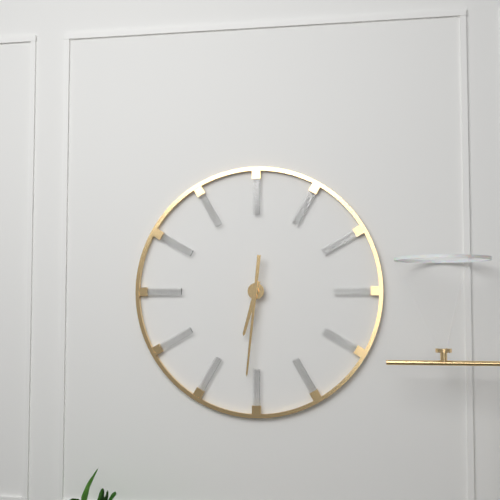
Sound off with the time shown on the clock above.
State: 6:31
